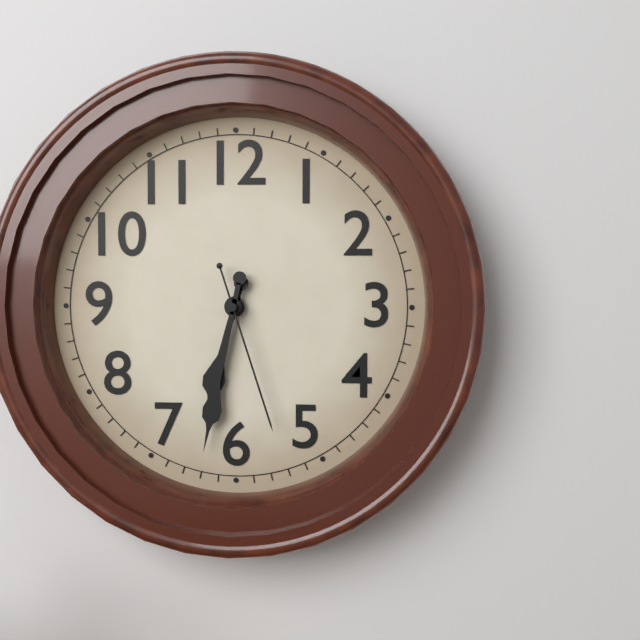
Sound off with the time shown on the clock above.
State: 6:32:27
